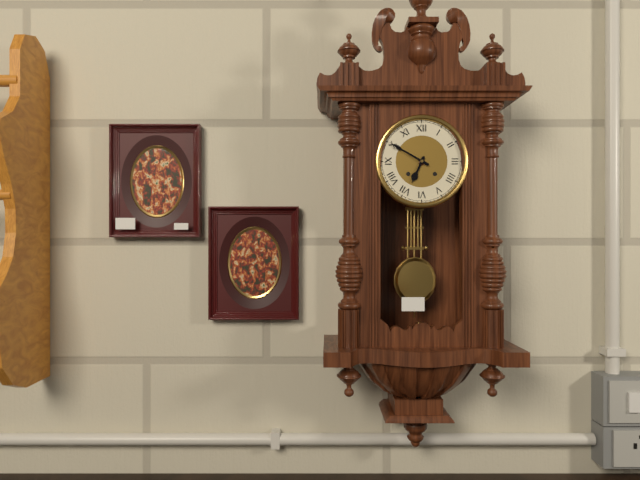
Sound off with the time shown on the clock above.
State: 6:50
